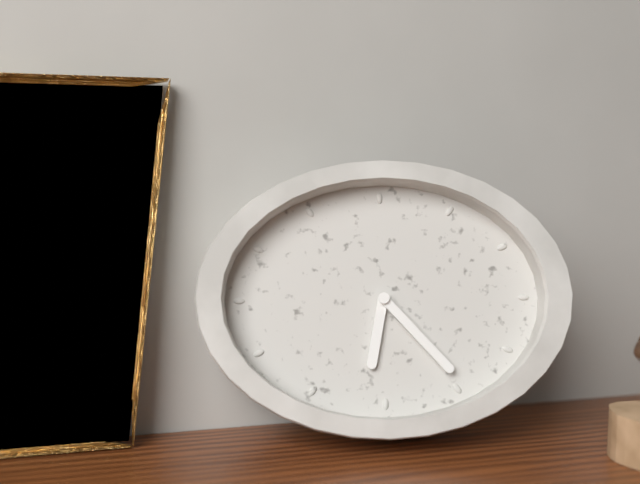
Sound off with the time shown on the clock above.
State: 6:23
